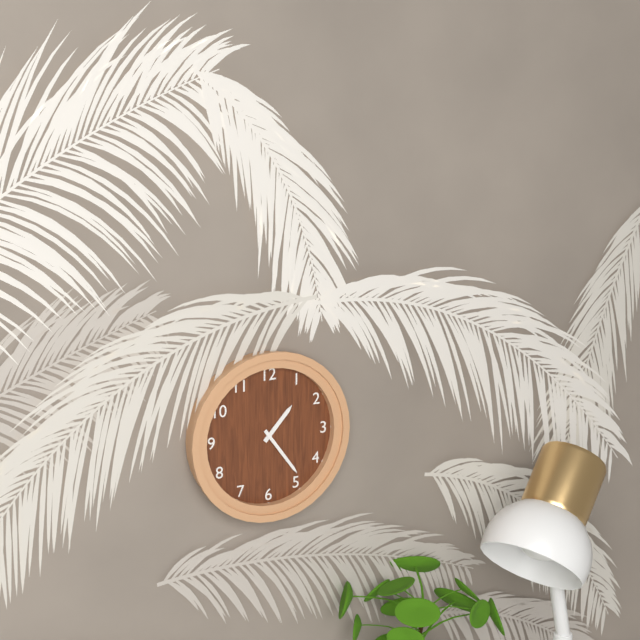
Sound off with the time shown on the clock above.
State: 1:24
